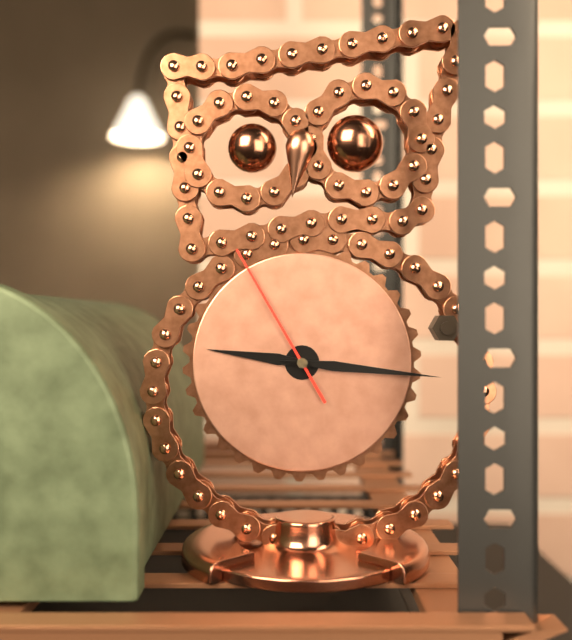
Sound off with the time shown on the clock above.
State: 9:16:55
